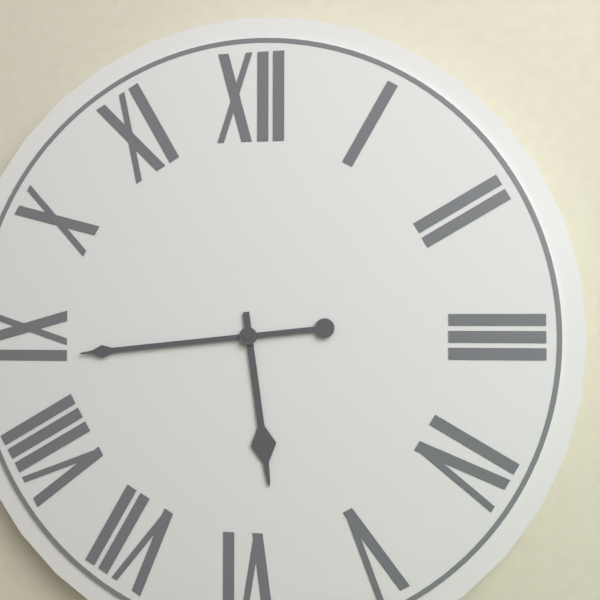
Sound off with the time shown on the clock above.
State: 5:44
